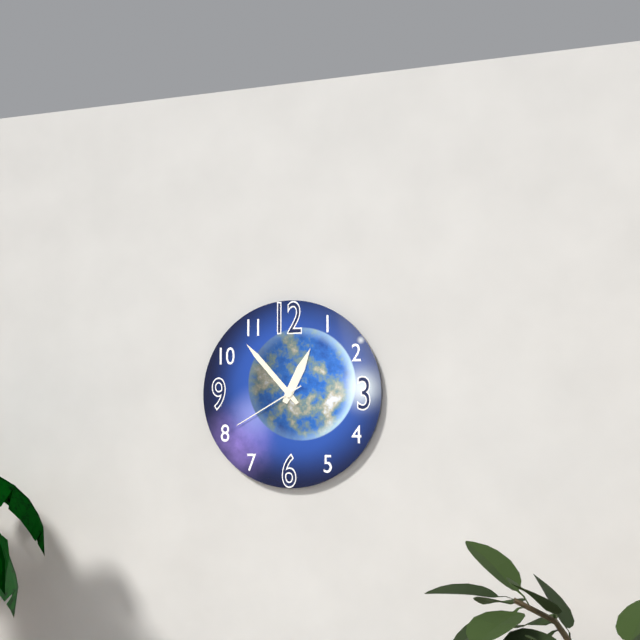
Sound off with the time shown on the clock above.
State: 12:53:40
